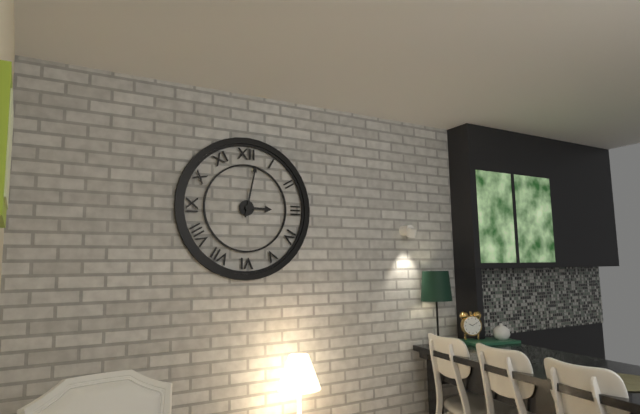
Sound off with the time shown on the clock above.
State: 3:02
